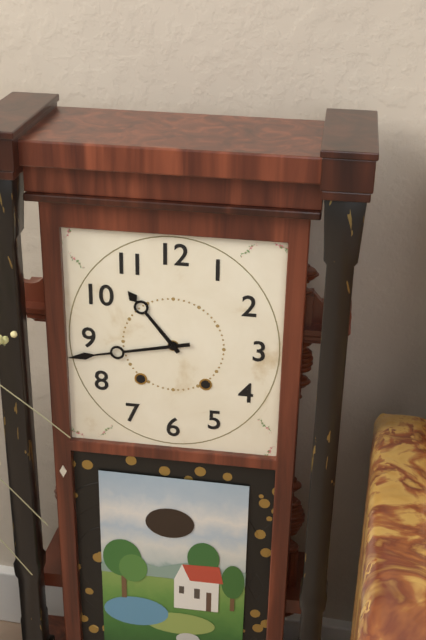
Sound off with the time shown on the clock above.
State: 10:43
